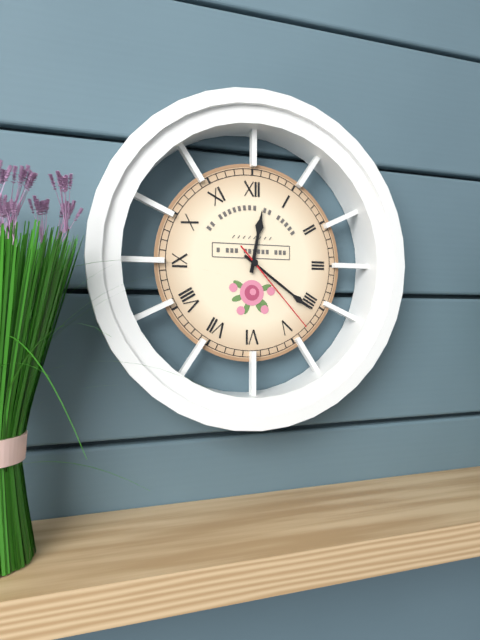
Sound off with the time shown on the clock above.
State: 12:21:23
